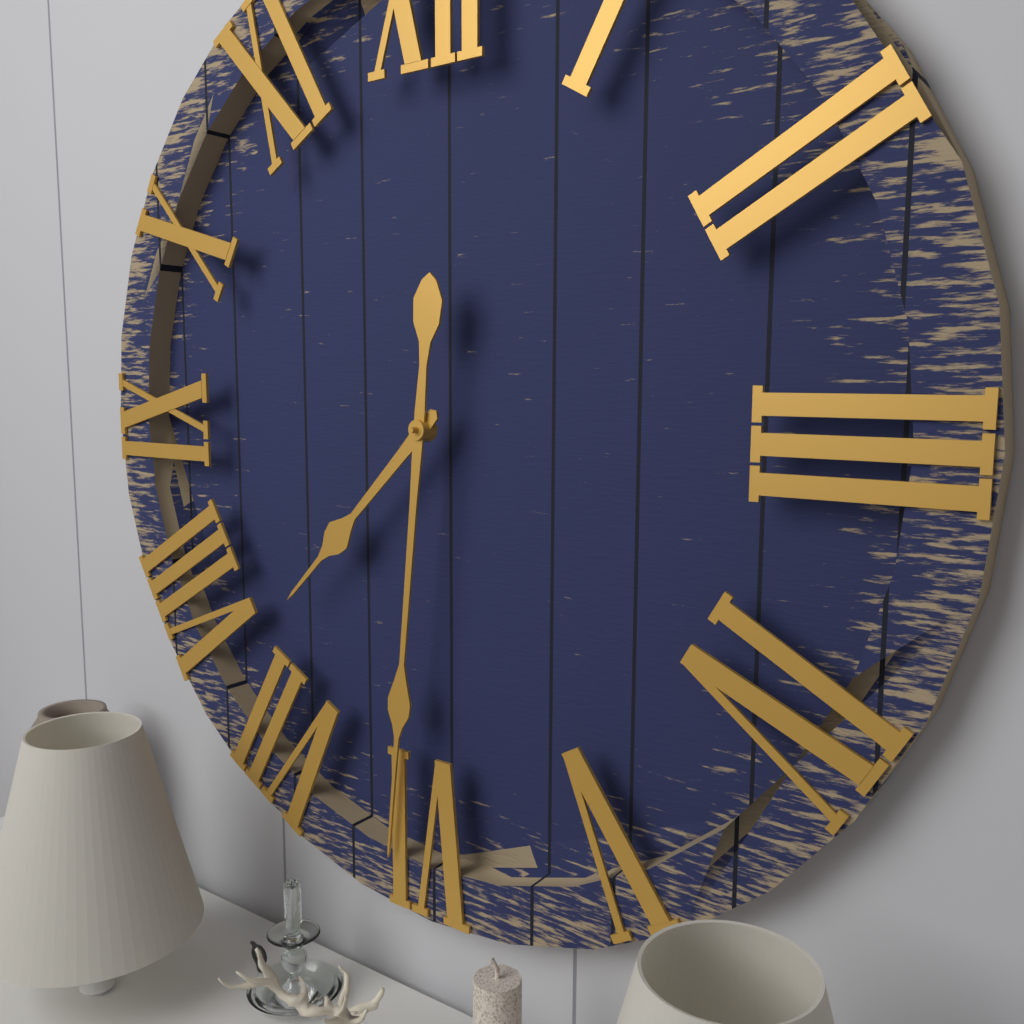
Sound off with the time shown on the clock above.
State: 7:31
